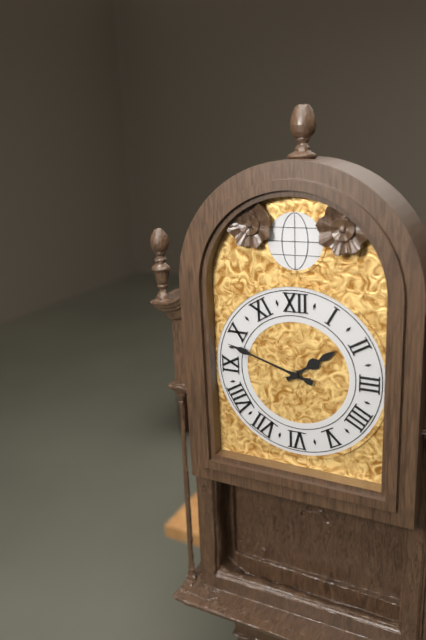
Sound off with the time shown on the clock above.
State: 1:48
